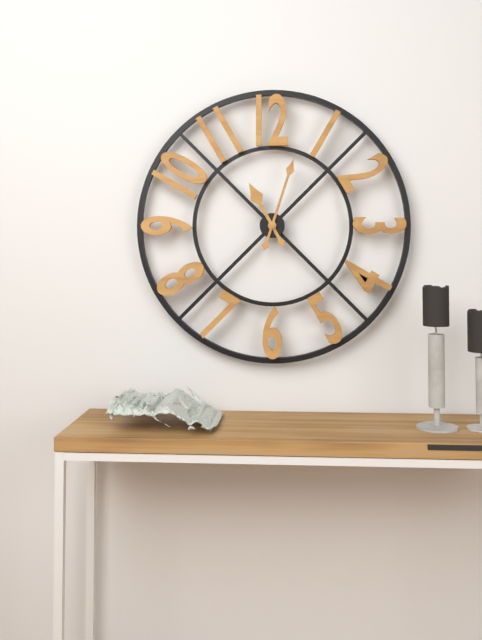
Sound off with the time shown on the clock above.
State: 11:03
